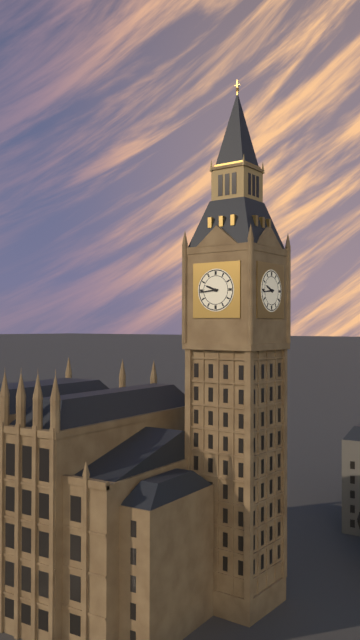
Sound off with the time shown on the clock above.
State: 9:44
